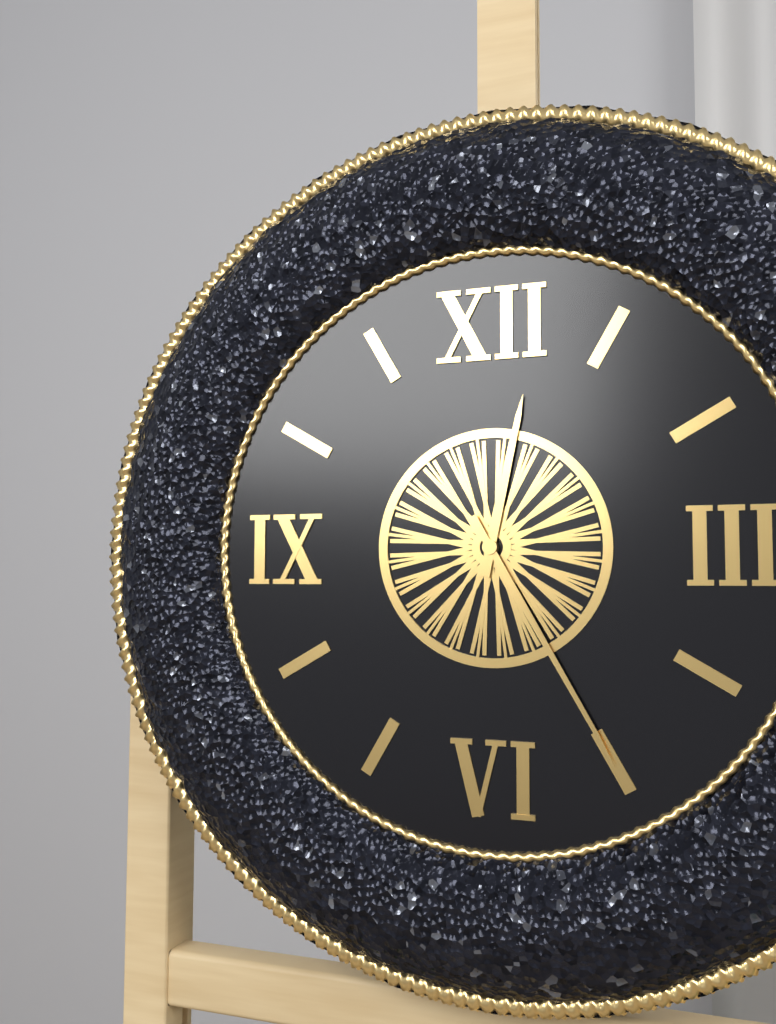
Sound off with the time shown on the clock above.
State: 12:25
